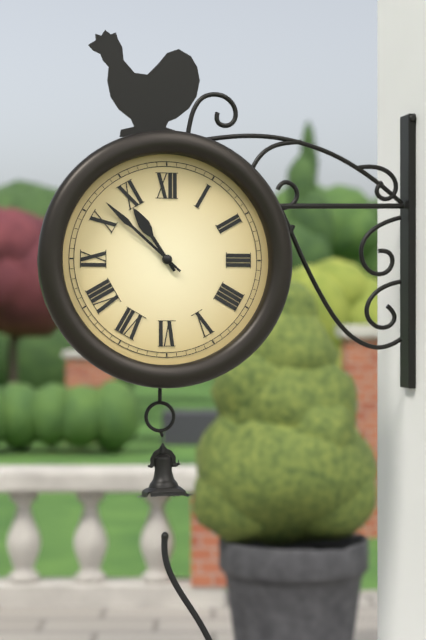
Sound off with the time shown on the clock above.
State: 10:52
